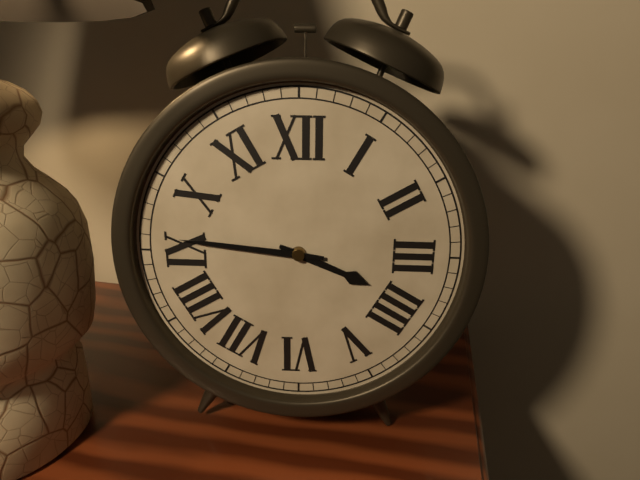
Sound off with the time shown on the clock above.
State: 3:46
